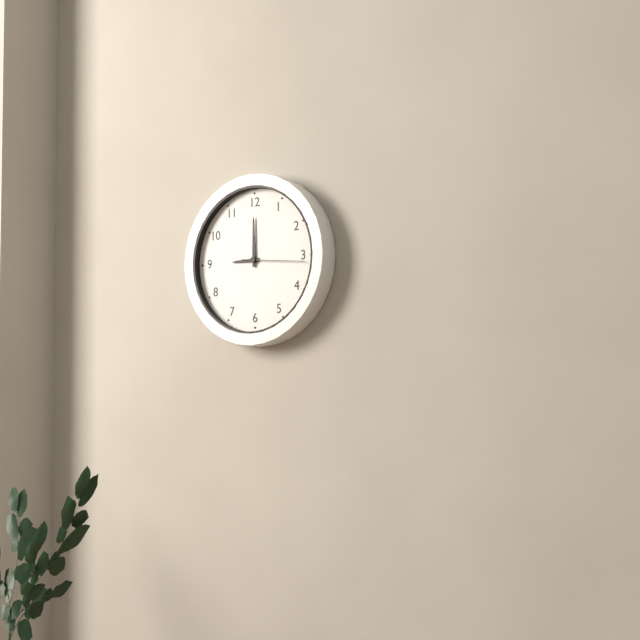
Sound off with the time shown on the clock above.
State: 9:00:16
